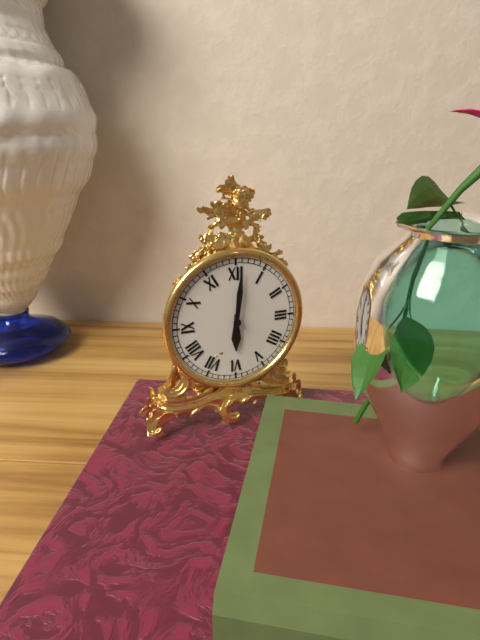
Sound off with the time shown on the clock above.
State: 6:01
